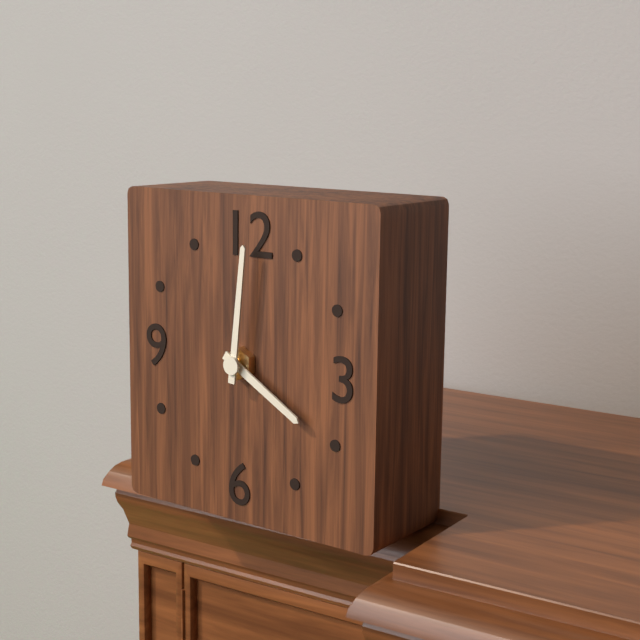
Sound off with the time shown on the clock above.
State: 4:01
